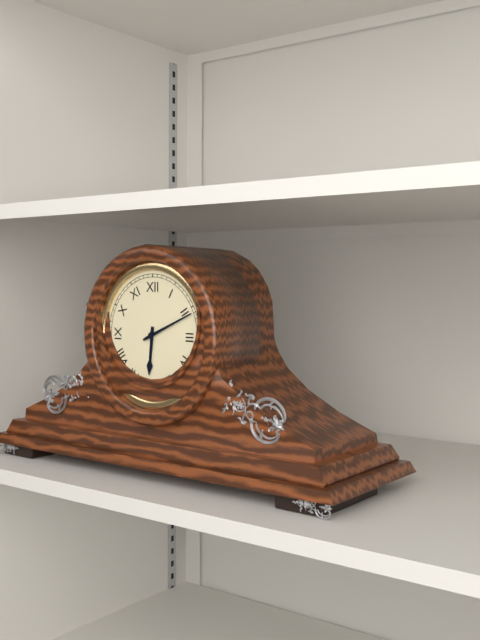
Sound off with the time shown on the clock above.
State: 6:11
